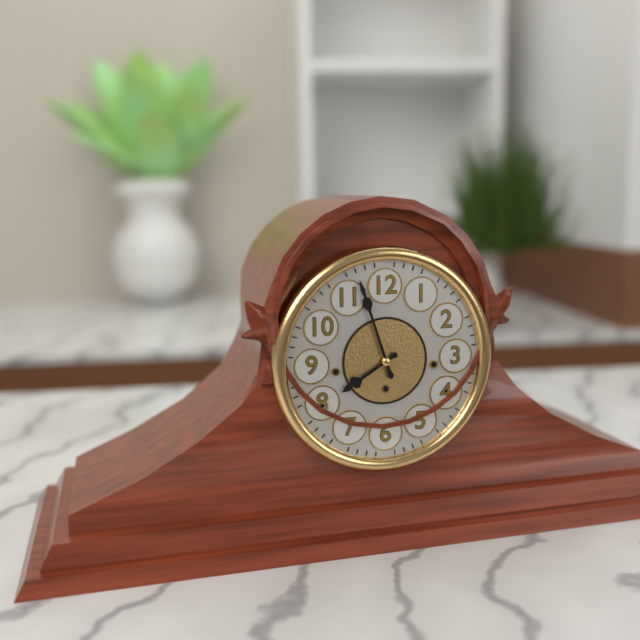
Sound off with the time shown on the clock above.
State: 7:57
